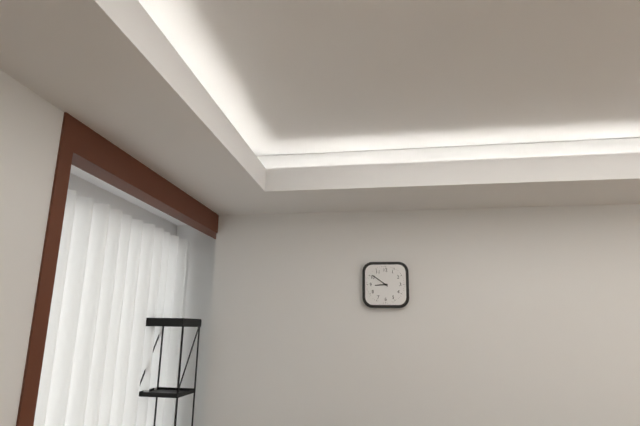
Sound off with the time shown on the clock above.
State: 8:51
